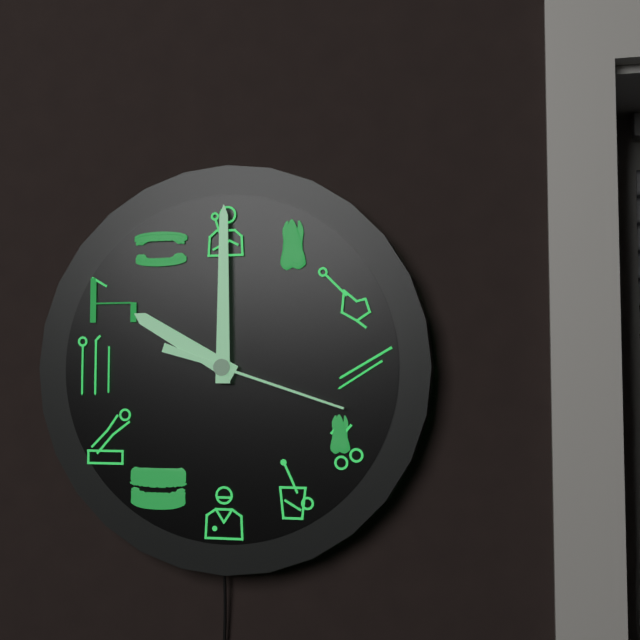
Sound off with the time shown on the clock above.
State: 10:00:18
